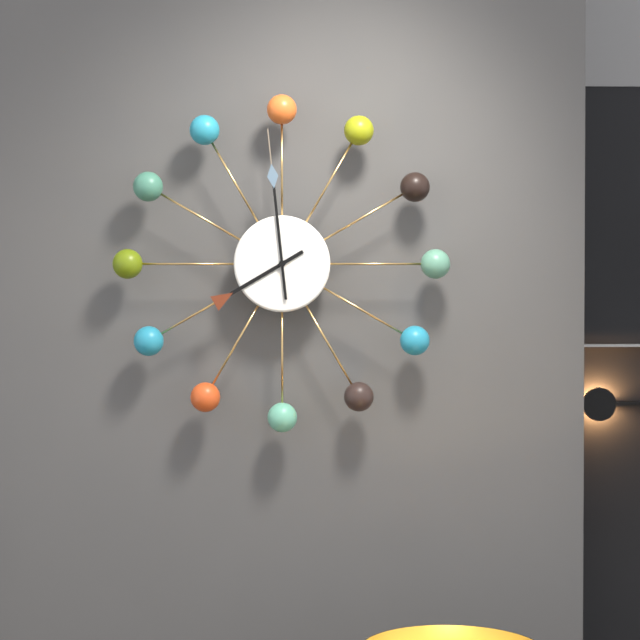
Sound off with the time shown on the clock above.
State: 7:59
